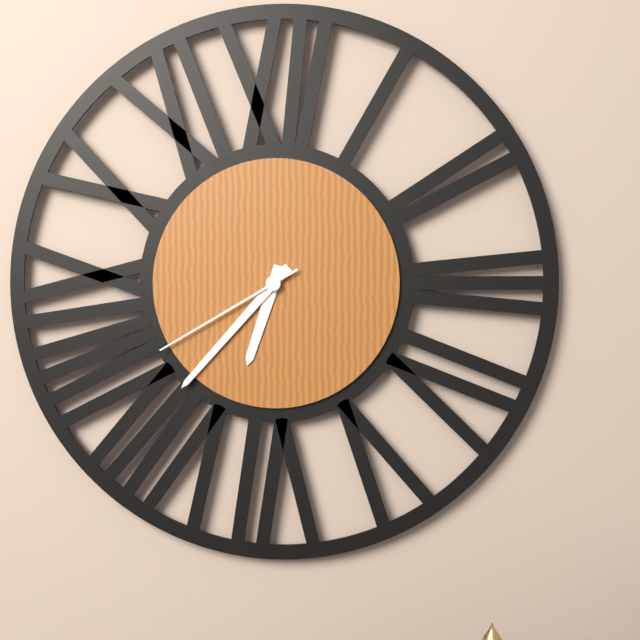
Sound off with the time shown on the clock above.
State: 6:37:40
